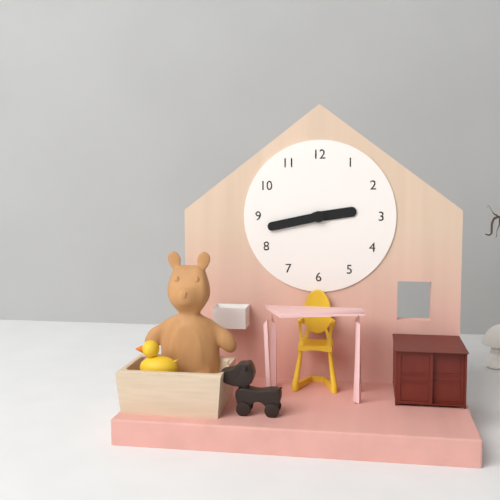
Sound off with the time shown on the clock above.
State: 2:43
